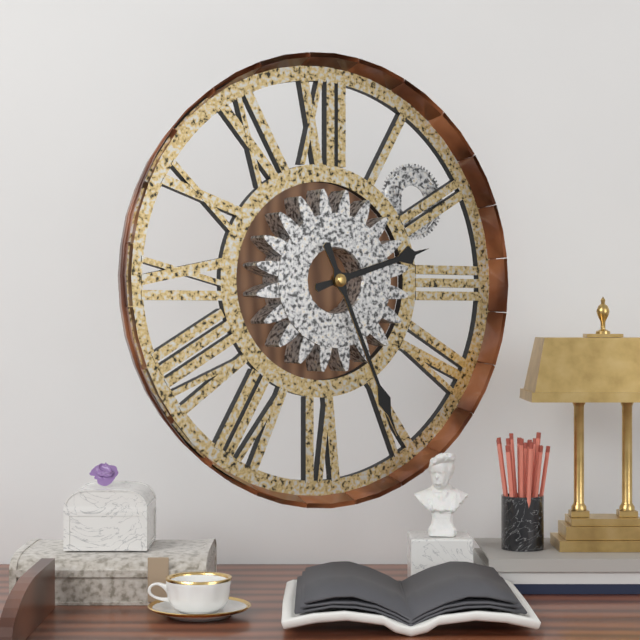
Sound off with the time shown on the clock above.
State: 2:26
